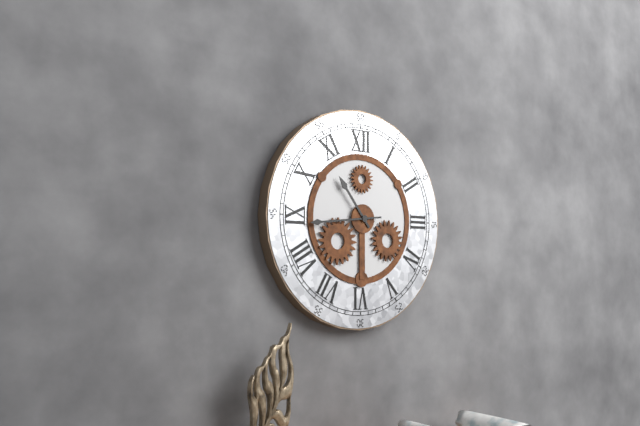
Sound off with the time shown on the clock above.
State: 10:44
